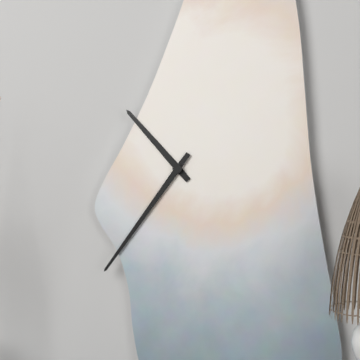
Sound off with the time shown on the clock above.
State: 10:36
